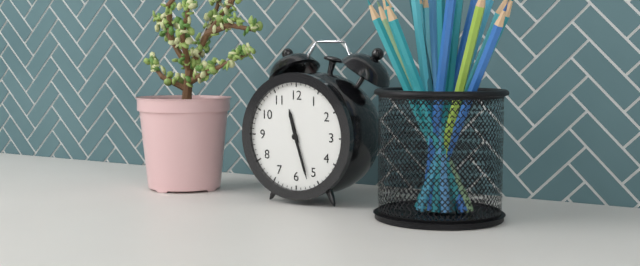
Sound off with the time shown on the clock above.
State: 11:27
